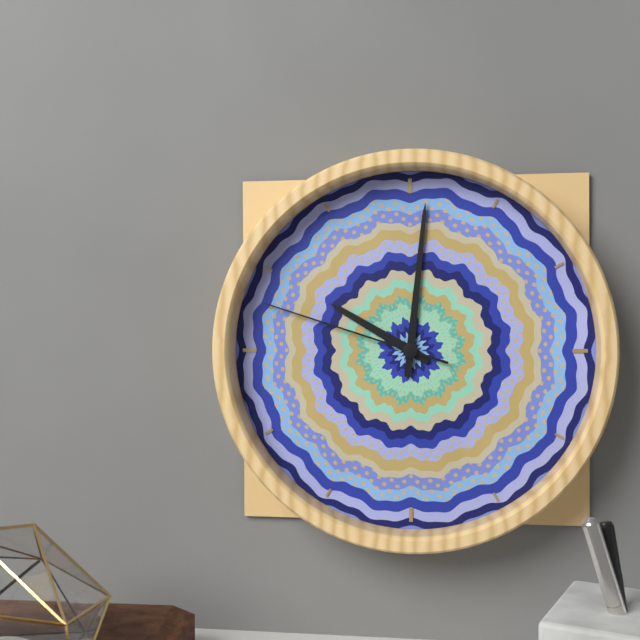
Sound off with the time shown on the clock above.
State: 10:01:48
